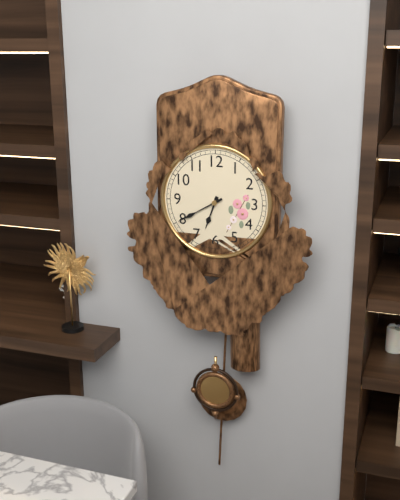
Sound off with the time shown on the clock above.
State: 6:40
